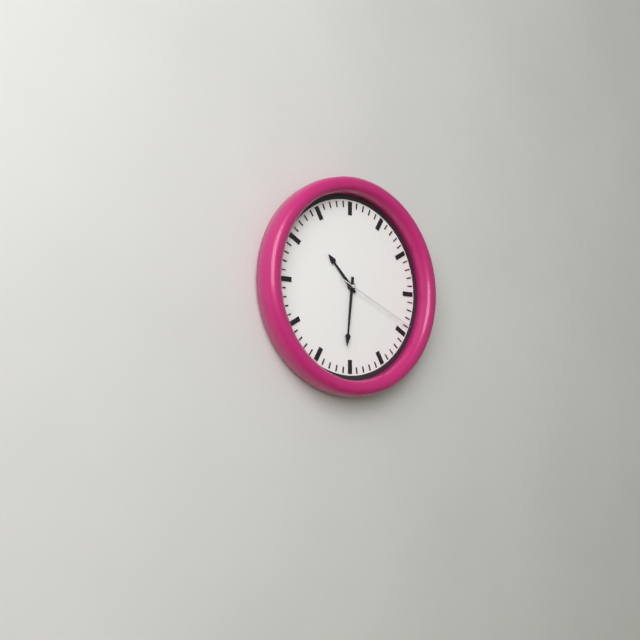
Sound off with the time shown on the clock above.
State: 10:31:19
